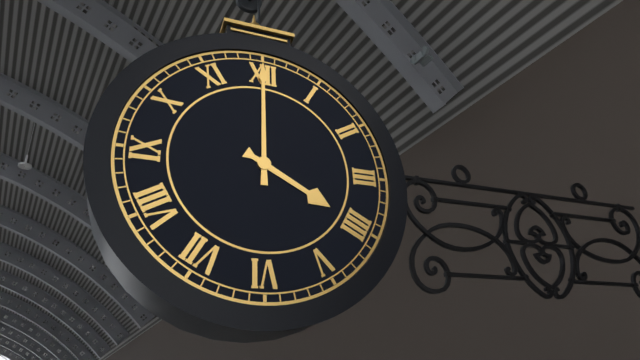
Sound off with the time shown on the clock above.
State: 4:00
